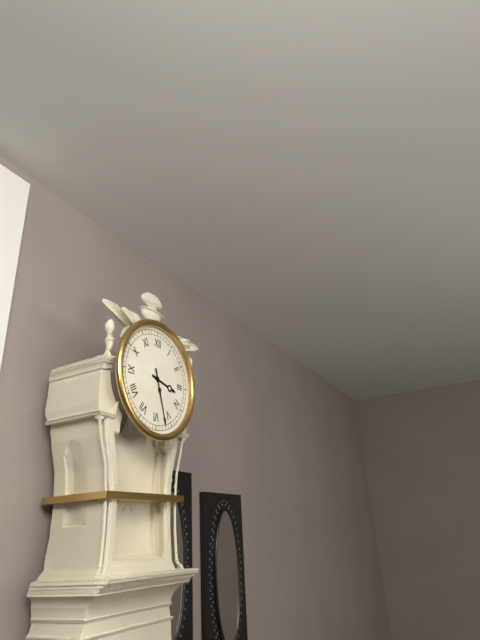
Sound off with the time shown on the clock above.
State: 3:27
